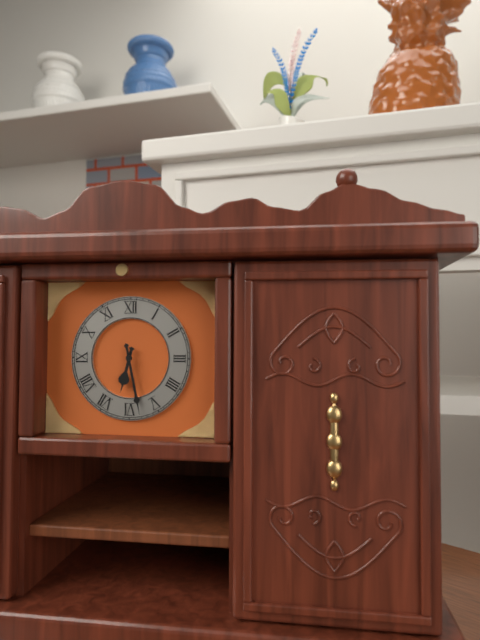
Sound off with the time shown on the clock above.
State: 6:28
